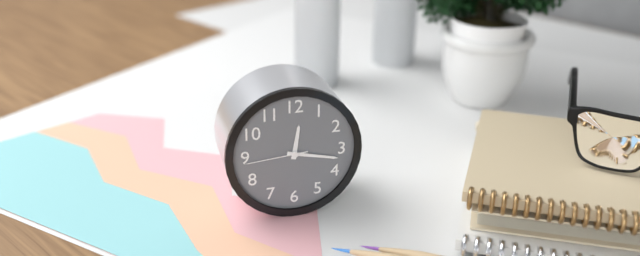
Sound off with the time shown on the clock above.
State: 12:17:44
